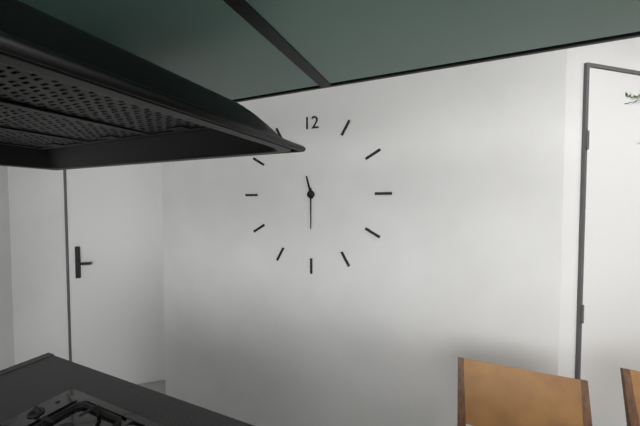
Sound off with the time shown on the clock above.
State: 11:30
